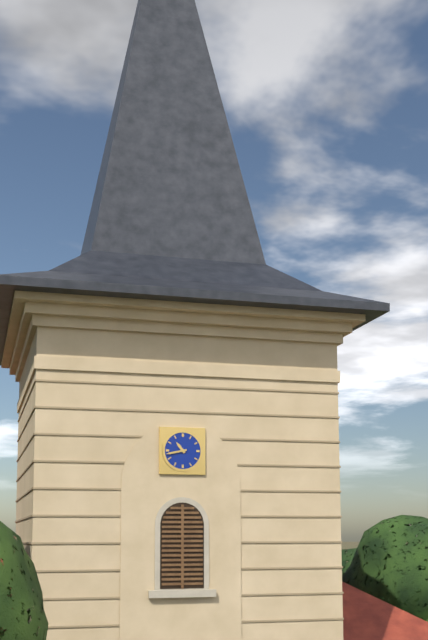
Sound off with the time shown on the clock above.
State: 10:43
